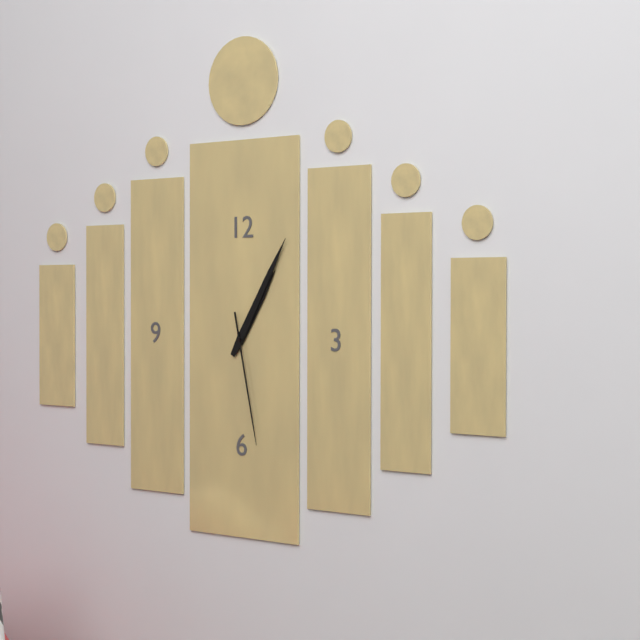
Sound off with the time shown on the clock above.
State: 1:05:28
